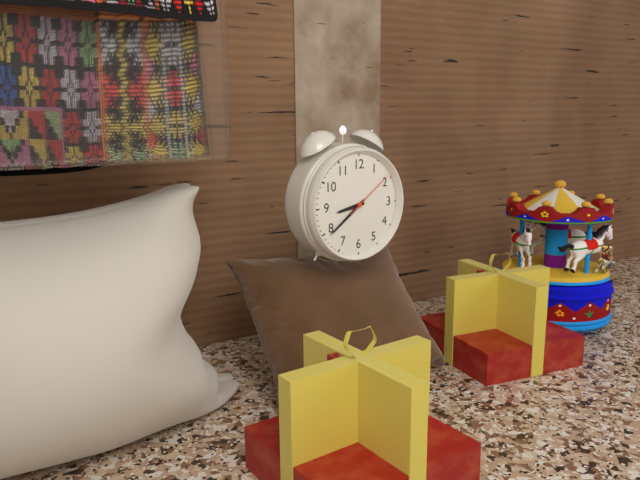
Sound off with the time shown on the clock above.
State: 8:39:09
